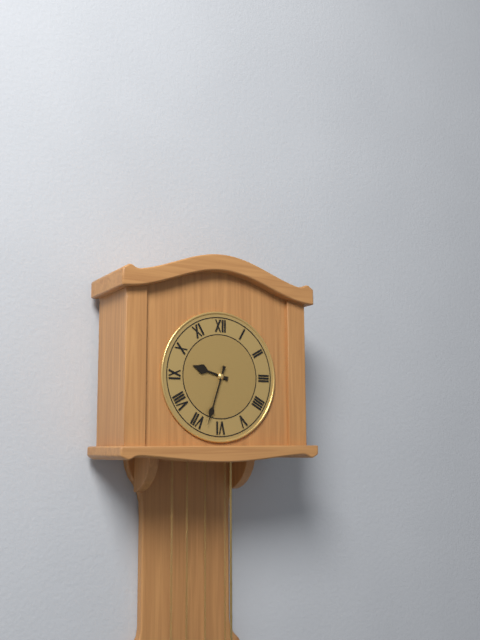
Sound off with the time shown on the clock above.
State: 9:33
